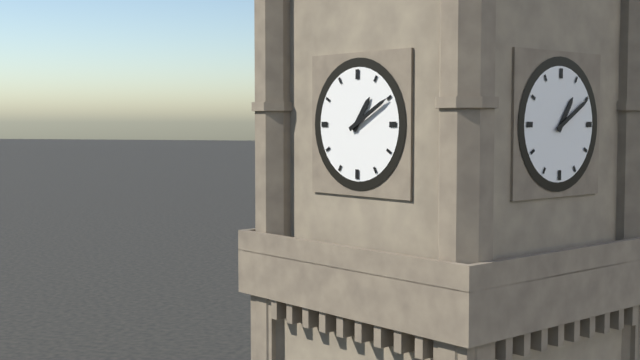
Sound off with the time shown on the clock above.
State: 1:10
